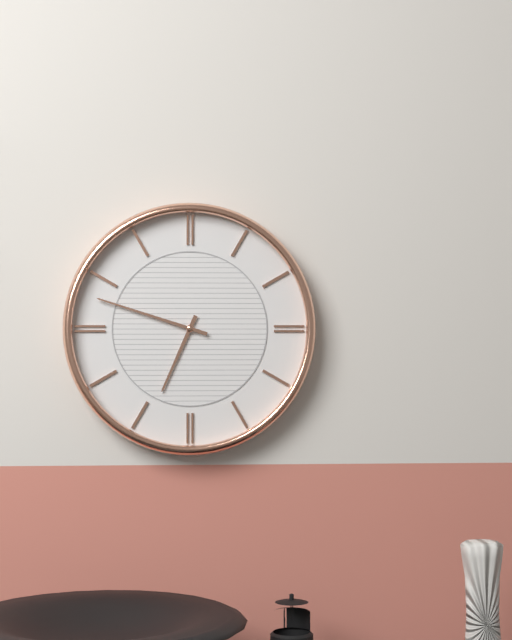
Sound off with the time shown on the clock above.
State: 6:48
